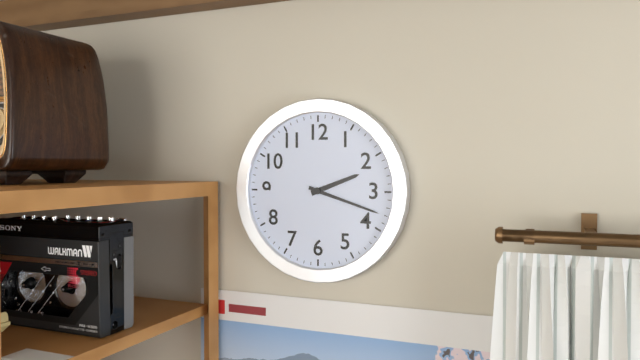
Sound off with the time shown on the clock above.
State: 2:18
